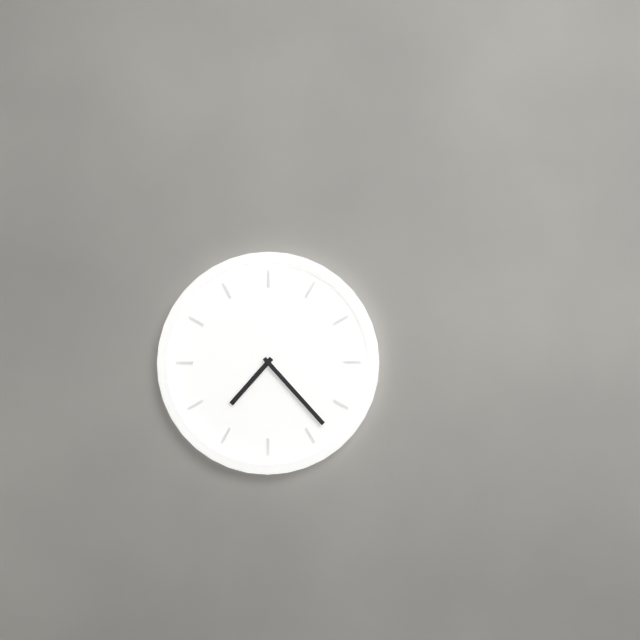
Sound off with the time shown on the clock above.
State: 7:23
